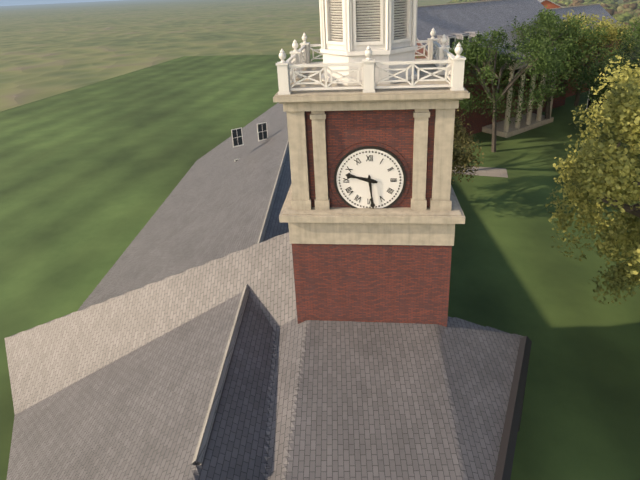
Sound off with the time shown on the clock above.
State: 9:29
